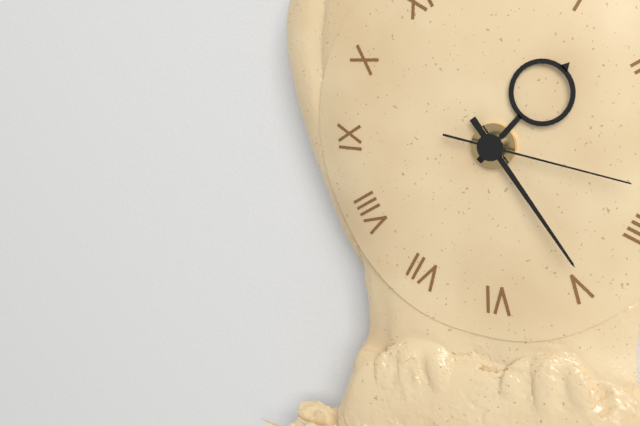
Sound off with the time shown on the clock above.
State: 1:24:17
